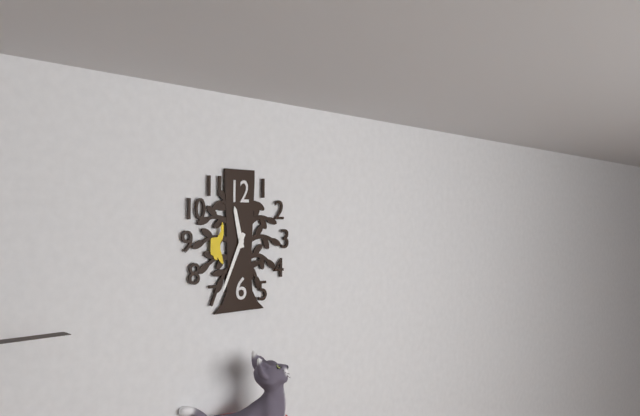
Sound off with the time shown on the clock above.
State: 11:34
